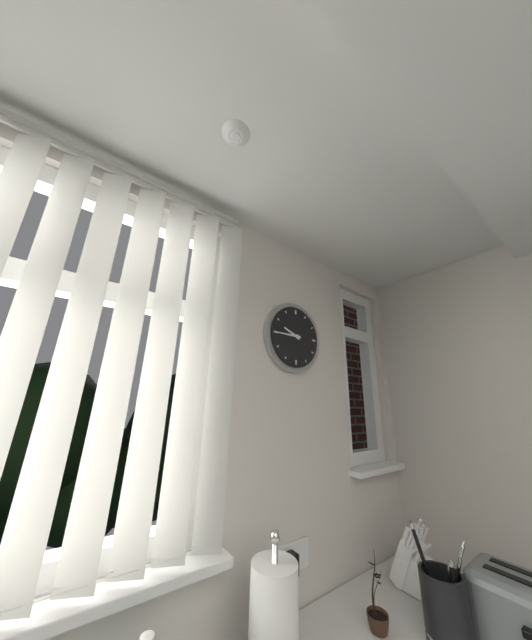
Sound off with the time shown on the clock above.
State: 9:45
